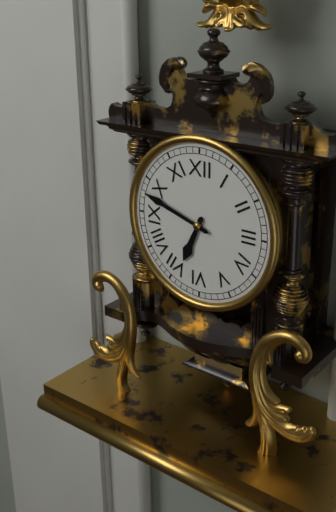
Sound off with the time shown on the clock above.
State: 6:48
